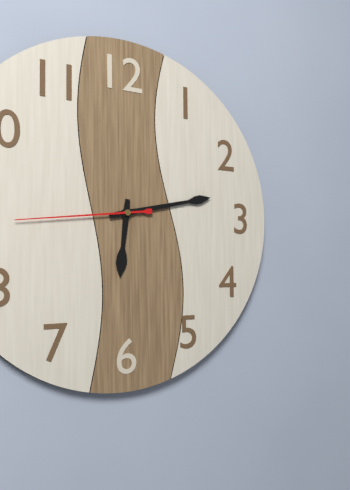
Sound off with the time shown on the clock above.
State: 6:13:44
